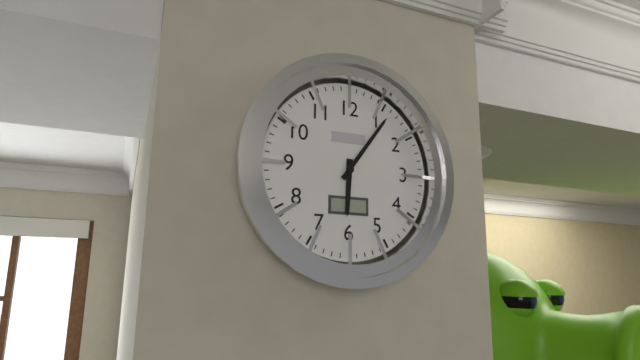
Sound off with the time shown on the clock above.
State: 6:06
